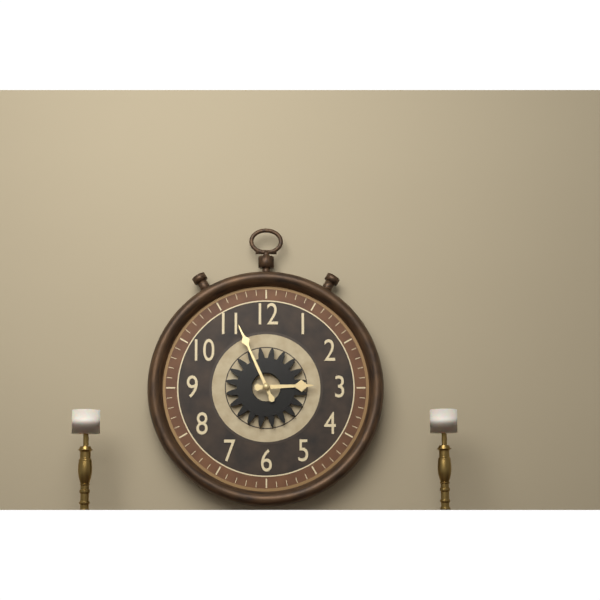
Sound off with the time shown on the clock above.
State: 2:56
